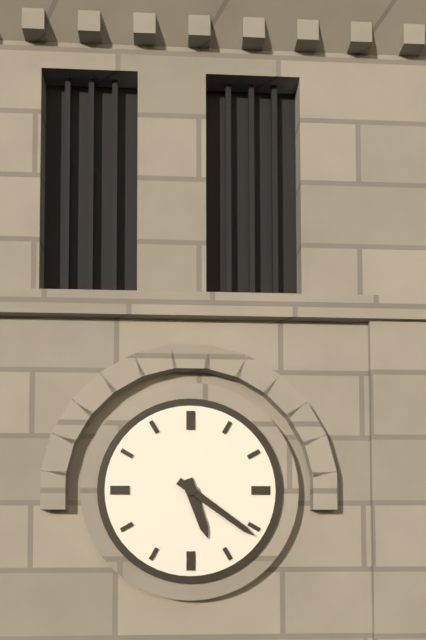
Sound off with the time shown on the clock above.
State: 5:21
